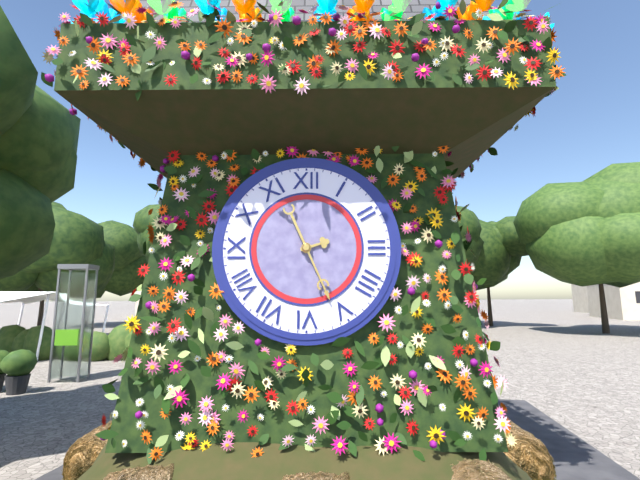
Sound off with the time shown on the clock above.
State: 2:26
